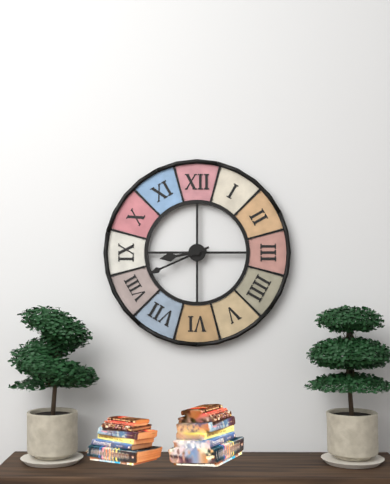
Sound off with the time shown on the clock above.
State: 8:41
